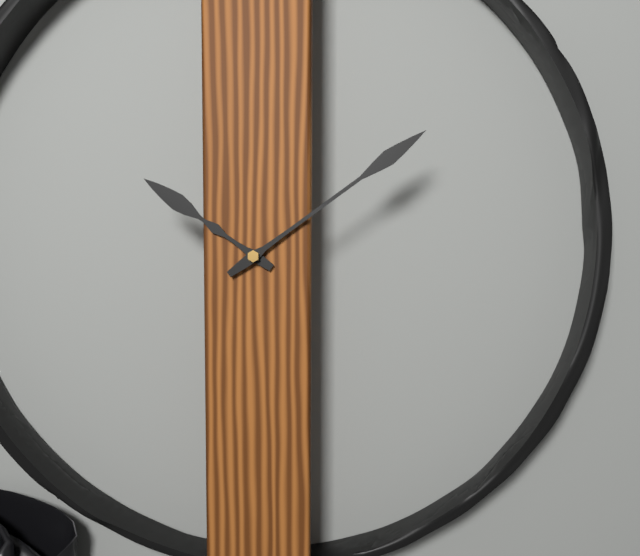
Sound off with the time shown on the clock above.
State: 10:09
